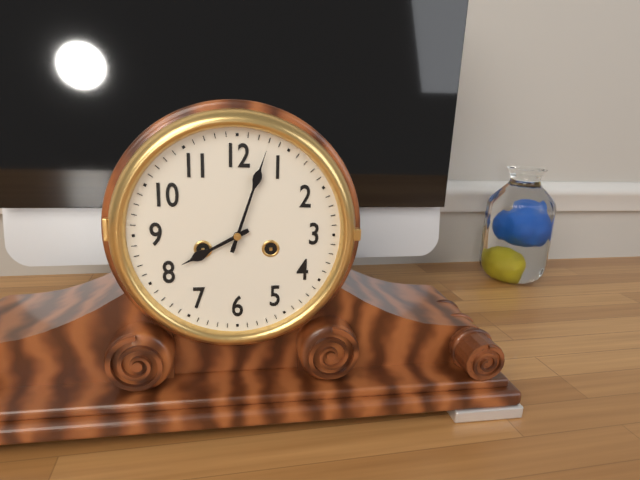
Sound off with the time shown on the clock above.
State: 8:03
